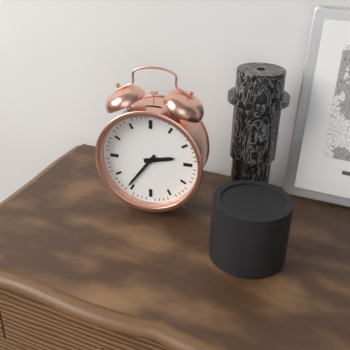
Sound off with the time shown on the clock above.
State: 2:36
